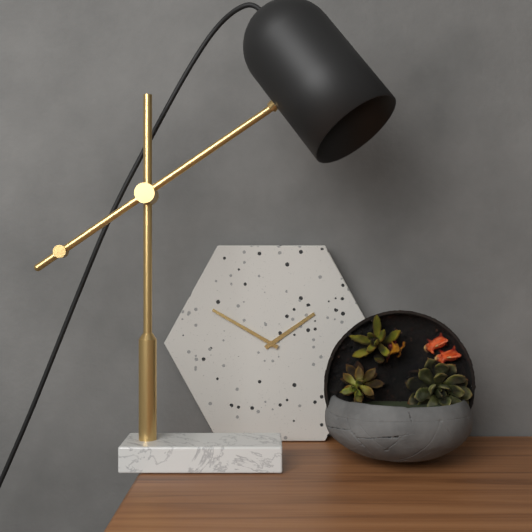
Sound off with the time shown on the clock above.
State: 1:50
